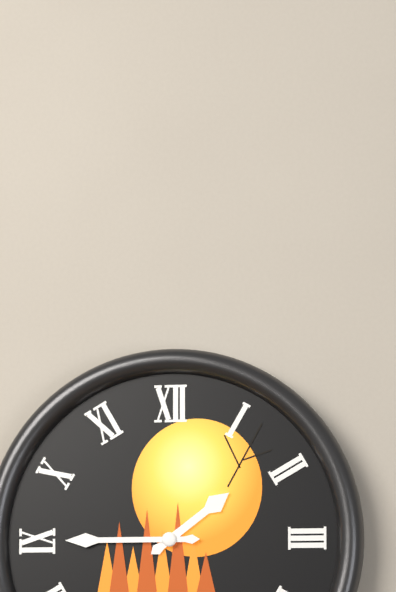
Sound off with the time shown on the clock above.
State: 1:45
